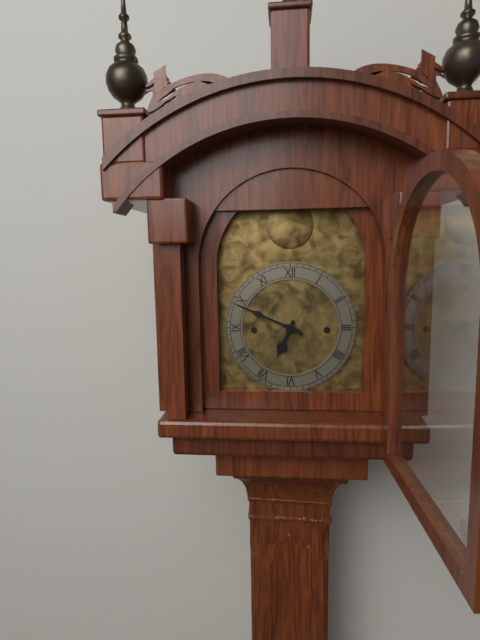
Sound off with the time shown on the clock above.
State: 6:49
